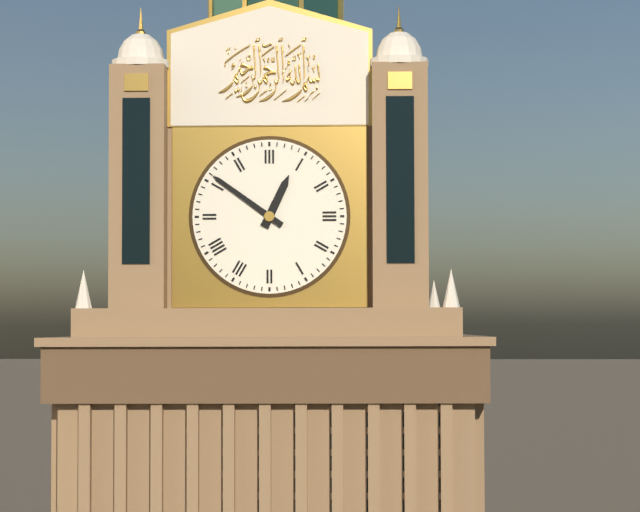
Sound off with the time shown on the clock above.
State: 12:51
